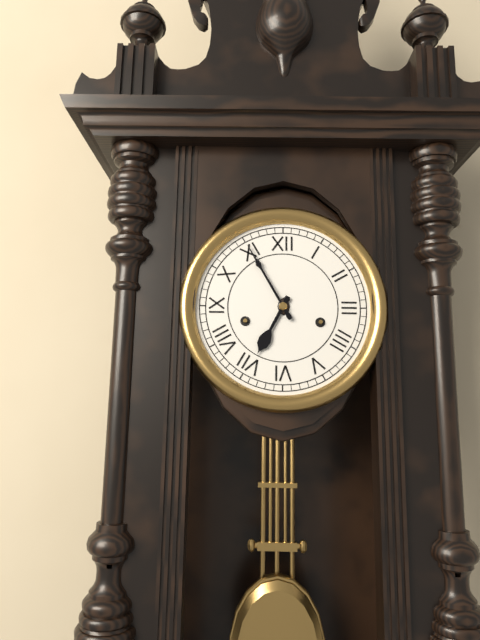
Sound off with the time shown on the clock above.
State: 6:55
